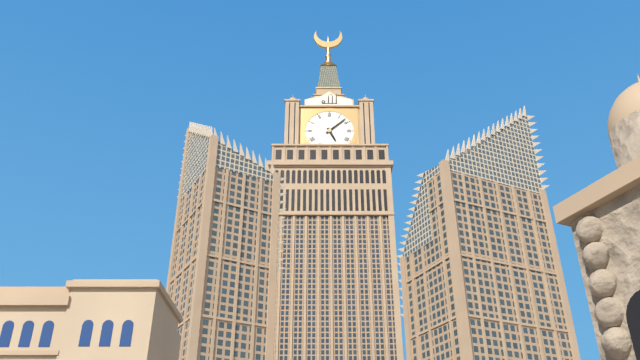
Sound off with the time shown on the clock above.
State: 5:08
